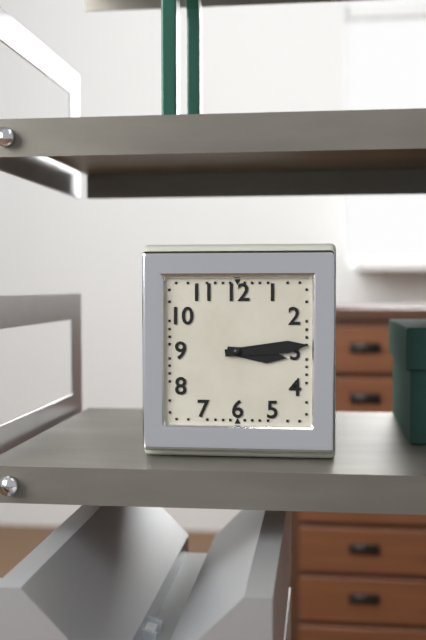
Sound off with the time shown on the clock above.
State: 3:14
